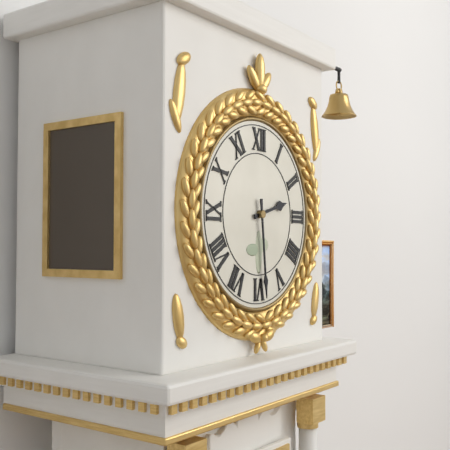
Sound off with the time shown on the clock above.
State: 2:29
